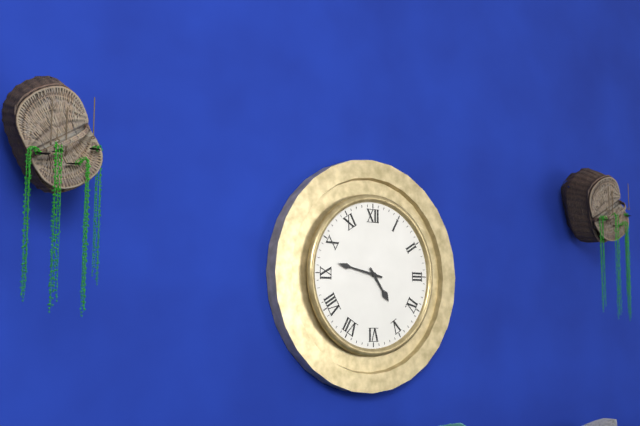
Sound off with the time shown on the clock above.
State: 4:47
